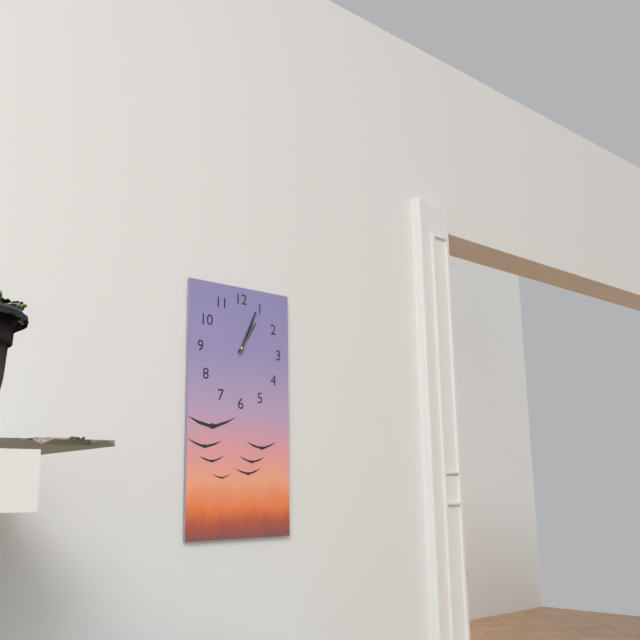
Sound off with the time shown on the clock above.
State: 1:04:05
